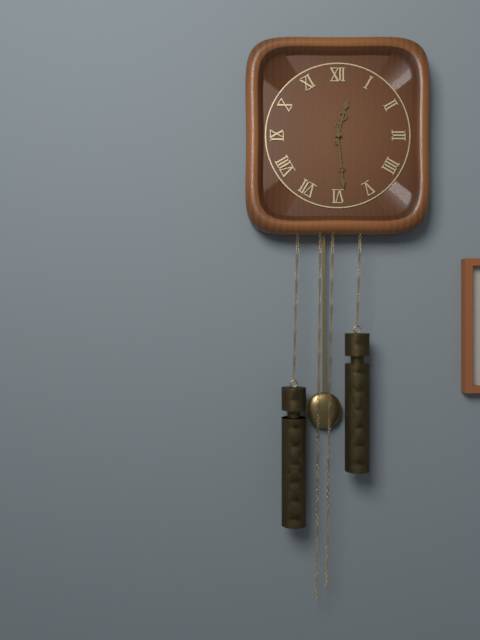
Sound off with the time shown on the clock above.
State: 12:29
